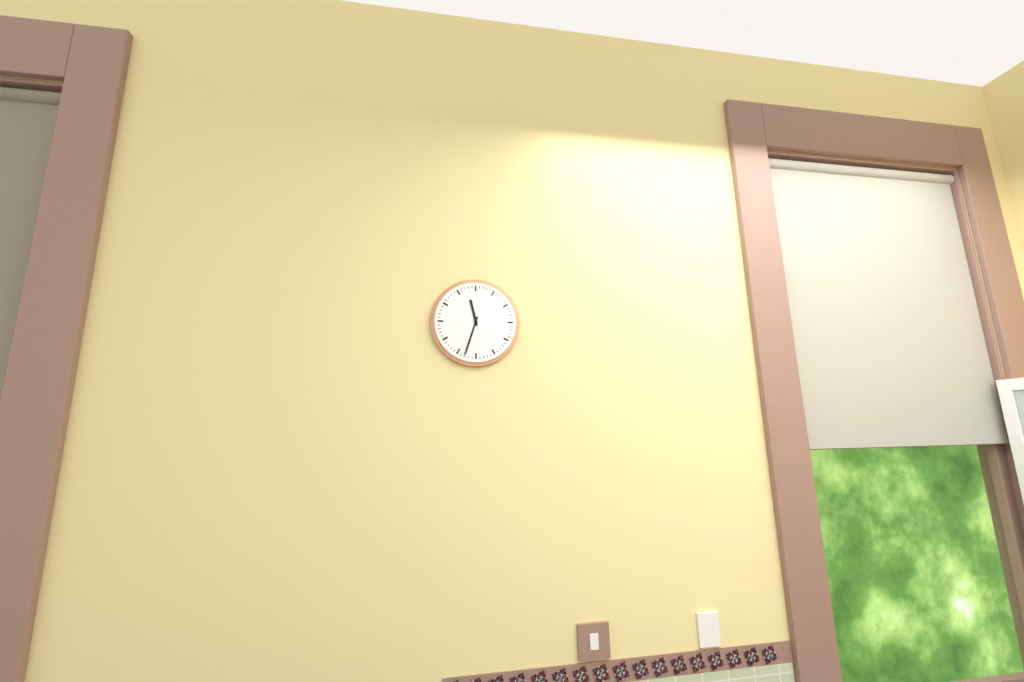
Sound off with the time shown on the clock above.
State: 11:33
